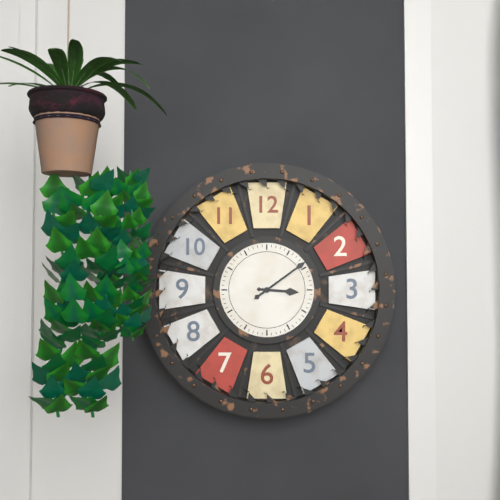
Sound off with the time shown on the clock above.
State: 3:09
